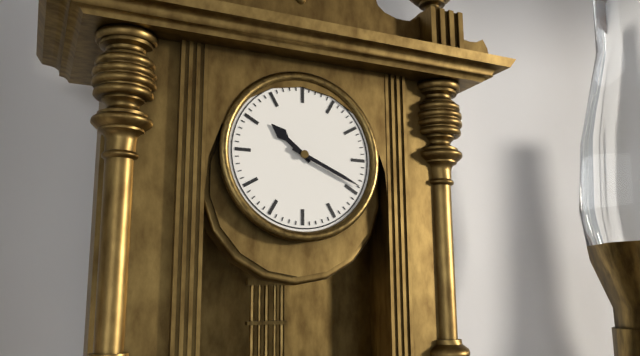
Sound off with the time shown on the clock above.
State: 10:19
